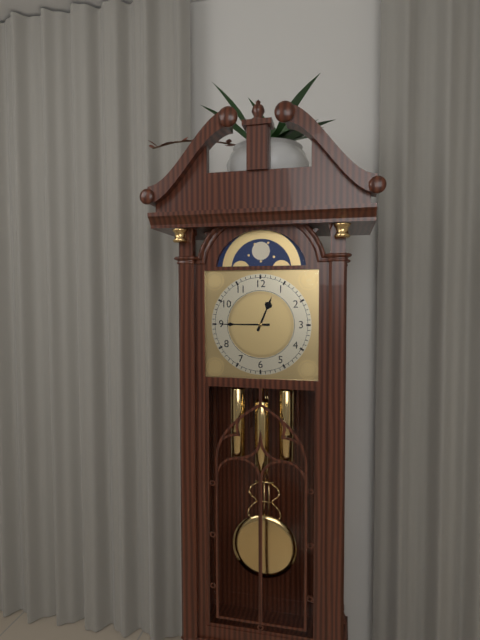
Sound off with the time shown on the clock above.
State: 12:45
